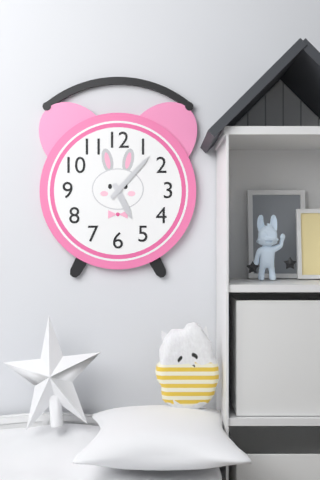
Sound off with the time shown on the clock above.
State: 5:07
